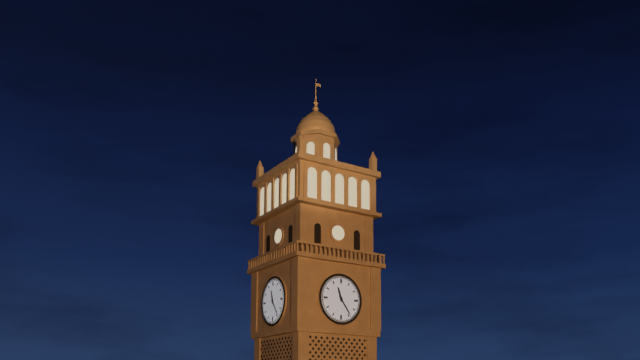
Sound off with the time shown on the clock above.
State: 11:24
